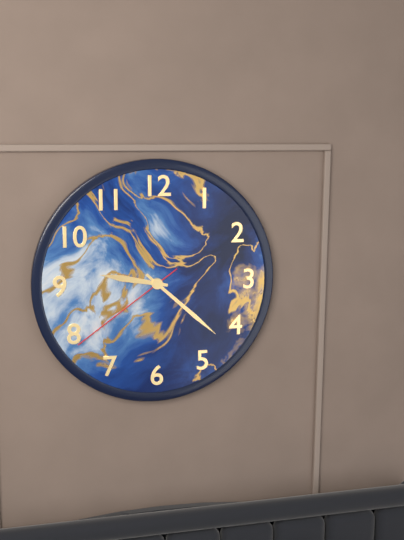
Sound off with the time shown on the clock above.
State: 9:22:39
